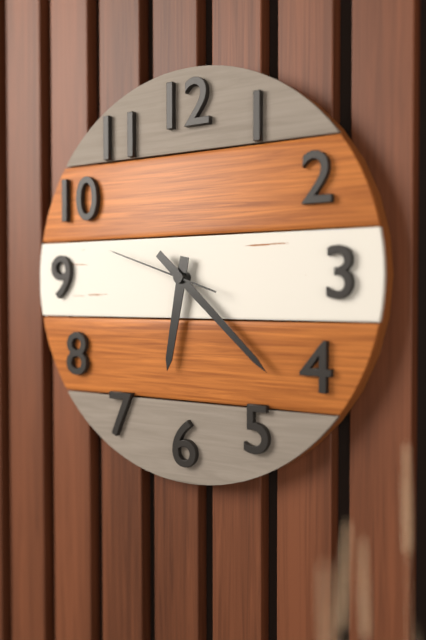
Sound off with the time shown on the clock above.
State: 6:22:48
